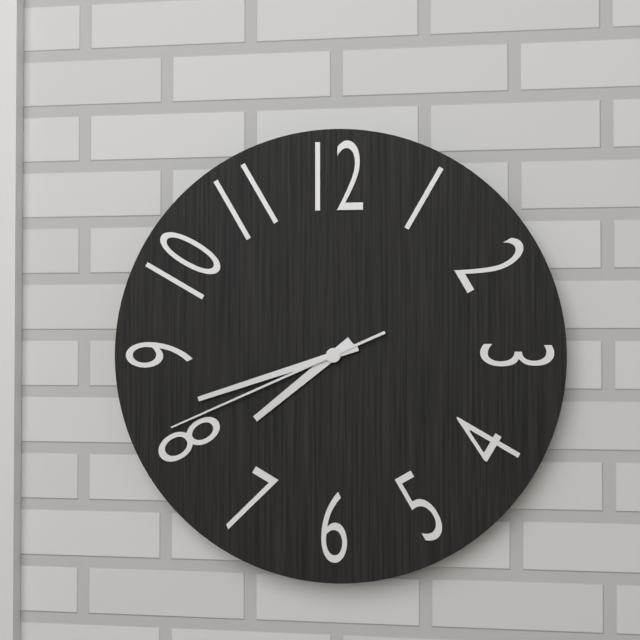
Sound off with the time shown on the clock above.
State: 7:42:41
